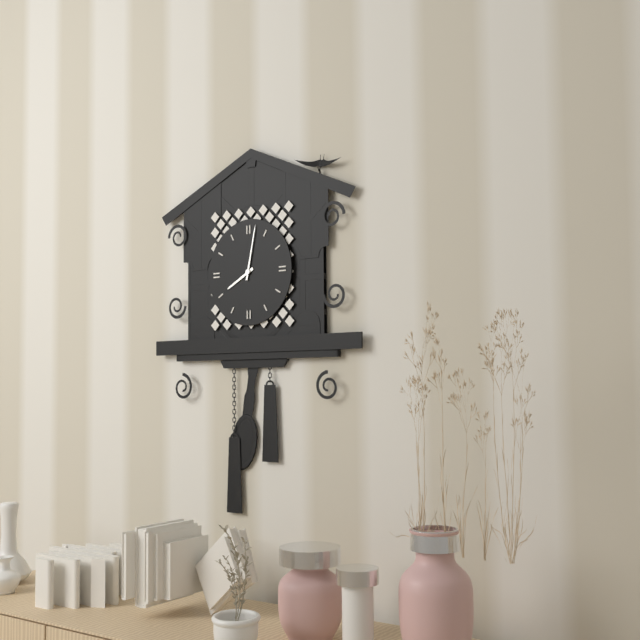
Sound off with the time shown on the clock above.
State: 8:02
